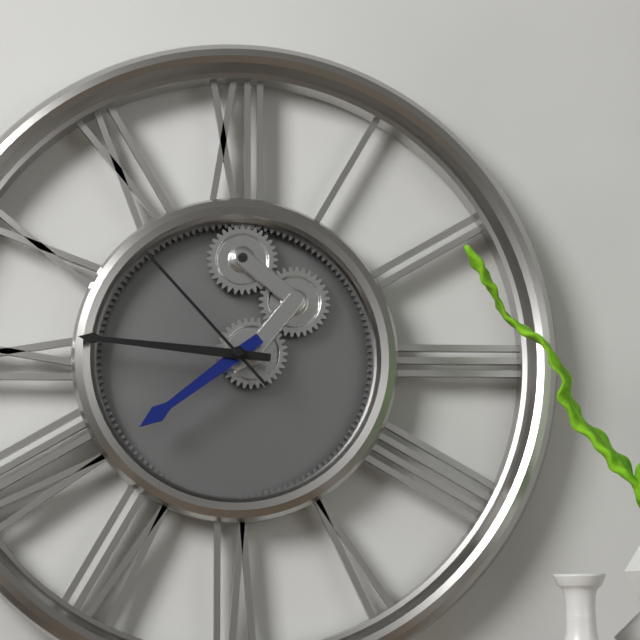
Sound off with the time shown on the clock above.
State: 7:46:53
